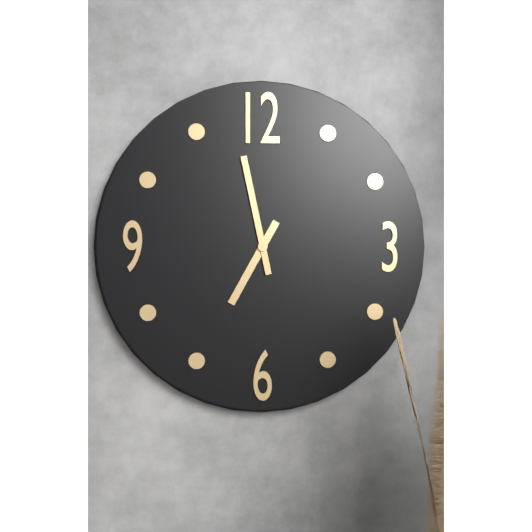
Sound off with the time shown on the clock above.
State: 6:58
